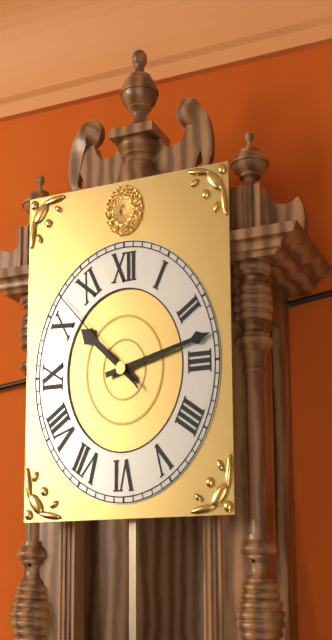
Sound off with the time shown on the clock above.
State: 10:13:52
